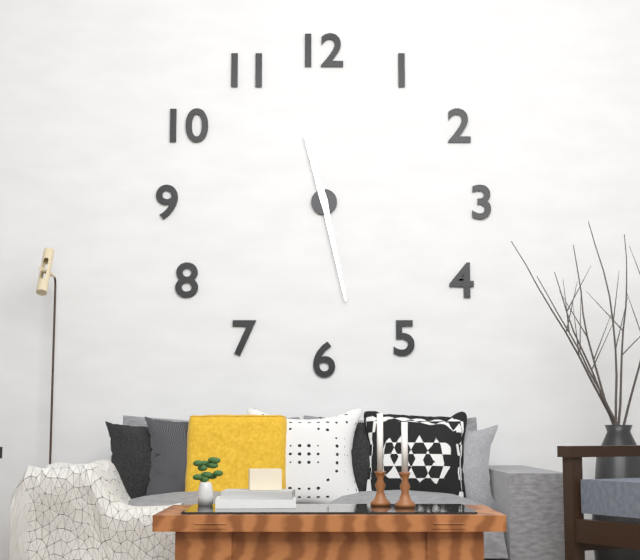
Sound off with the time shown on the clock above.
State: 11:28
